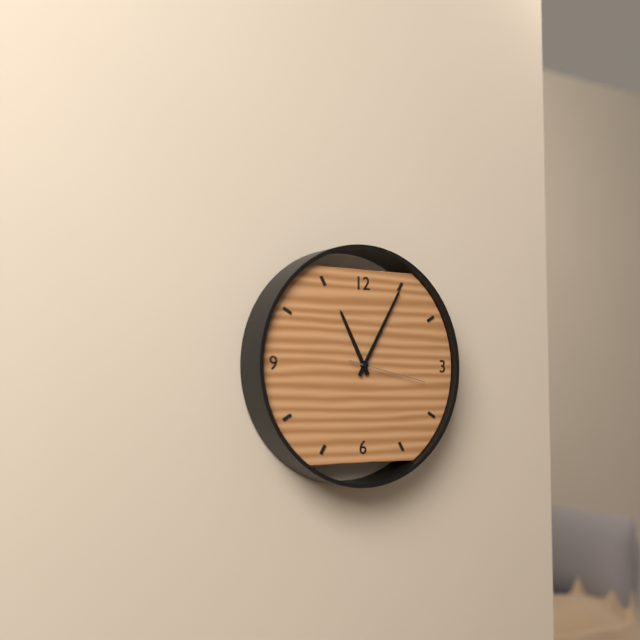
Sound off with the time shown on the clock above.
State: 11:05:17
